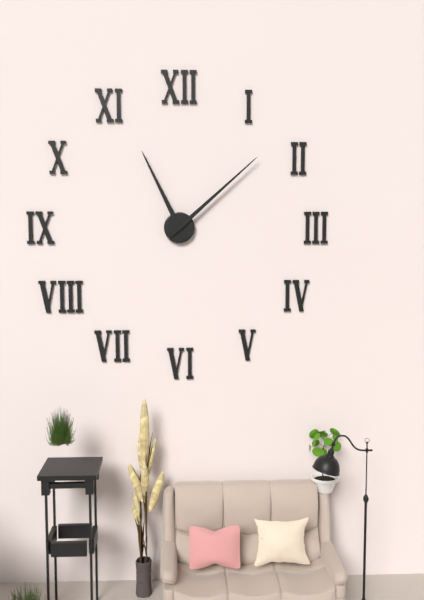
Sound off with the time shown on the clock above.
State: 11:08
